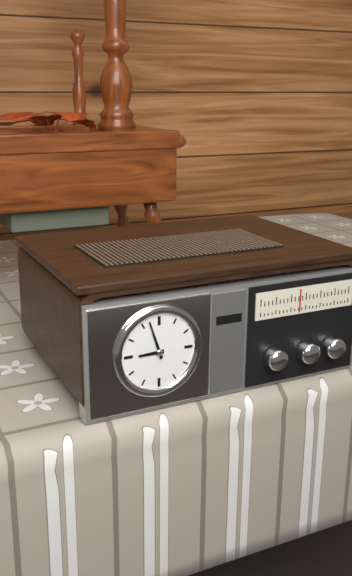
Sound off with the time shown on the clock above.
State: 8:57
